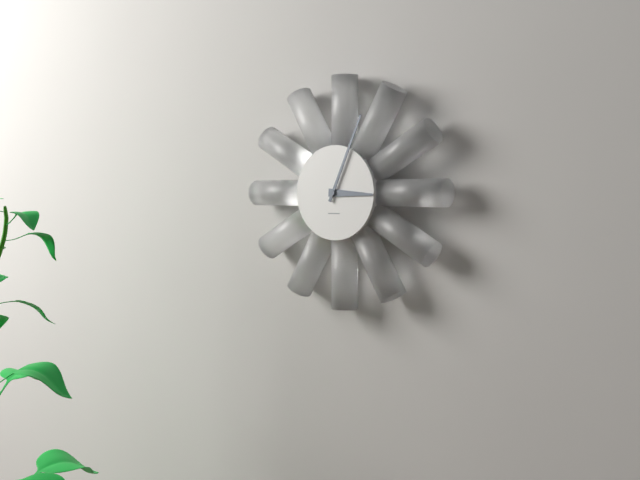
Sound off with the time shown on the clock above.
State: 3:04
